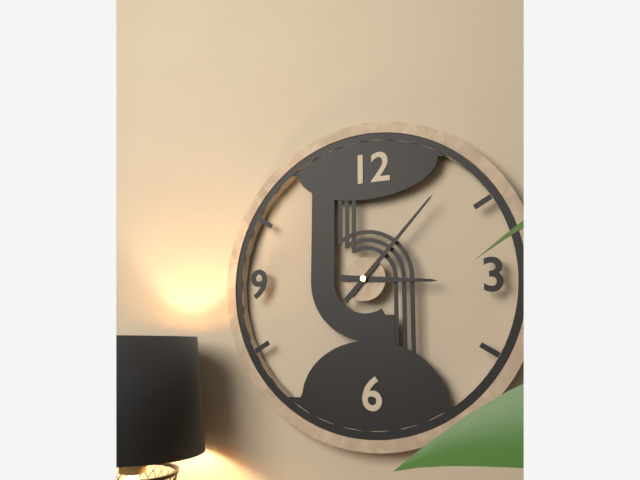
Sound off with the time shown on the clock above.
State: 3:07
